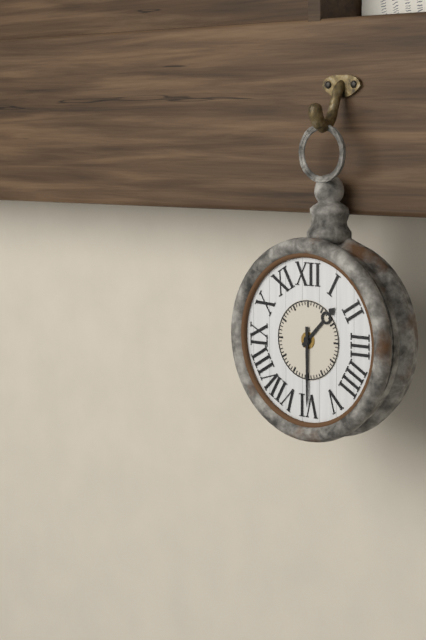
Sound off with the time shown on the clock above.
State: 1:30
